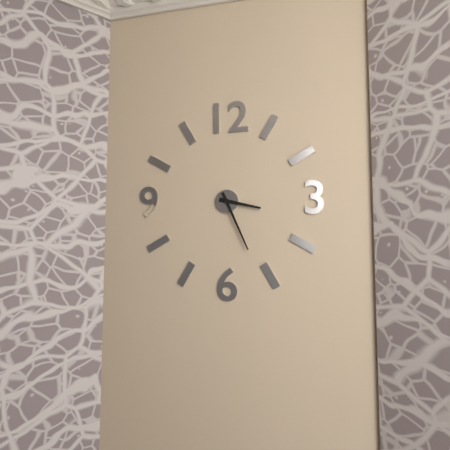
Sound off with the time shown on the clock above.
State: 3:26
